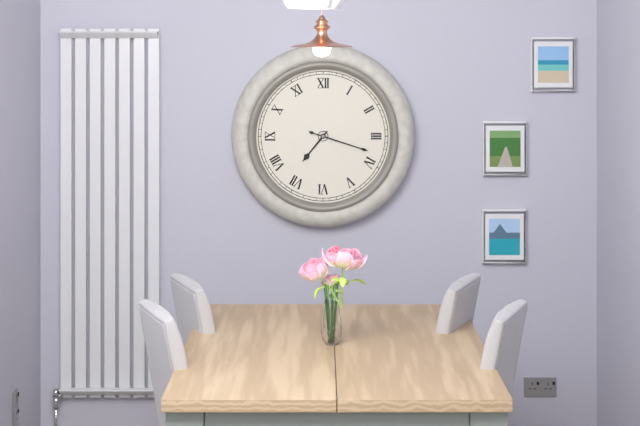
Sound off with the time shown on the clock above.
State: 7:18
